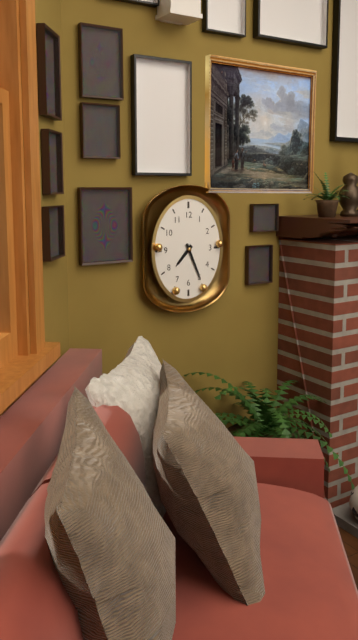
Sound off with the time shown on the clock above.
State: 7:26
